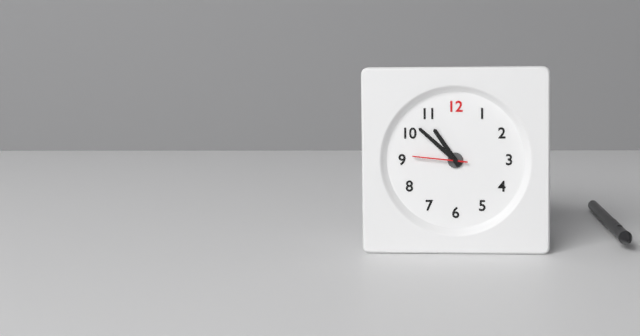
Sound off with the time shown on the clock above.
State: 10:52:46
